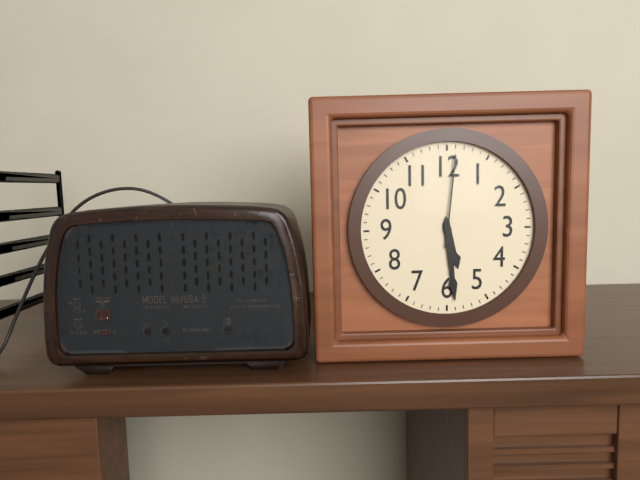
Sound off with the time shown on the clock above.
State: 5:29:01
